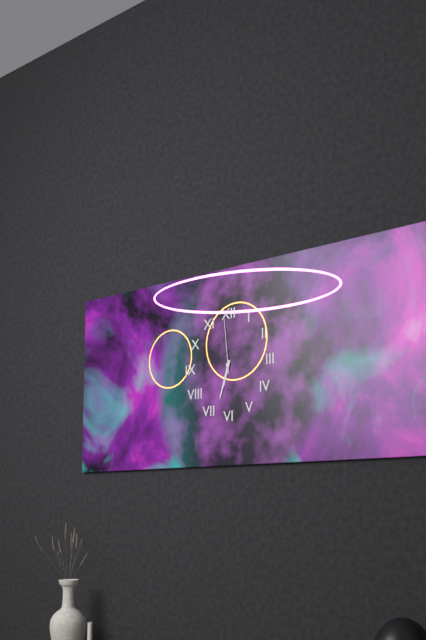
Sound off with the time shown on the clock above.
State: 6:33:59
